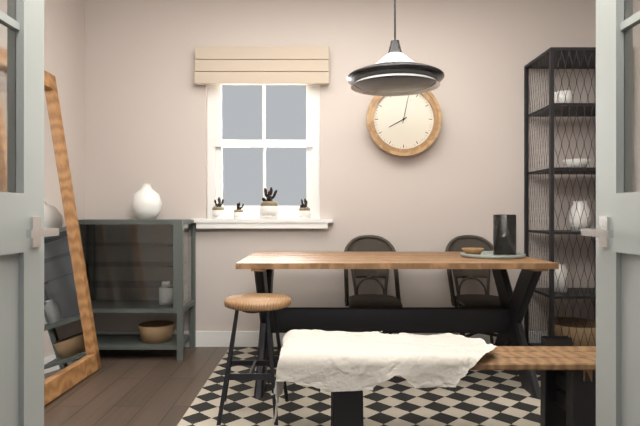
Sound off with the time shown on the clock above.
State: 8:02
